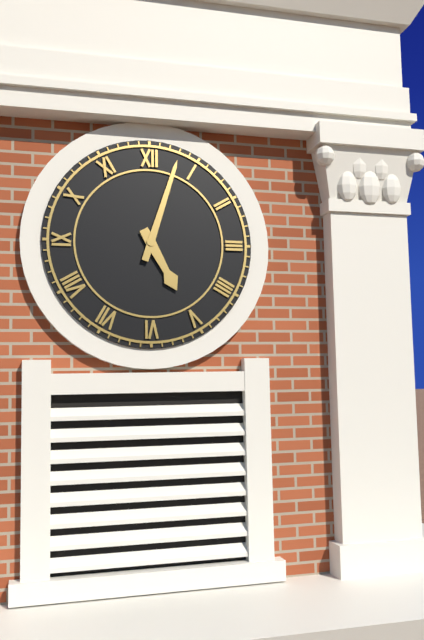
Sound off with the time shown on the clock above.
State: 5:03
